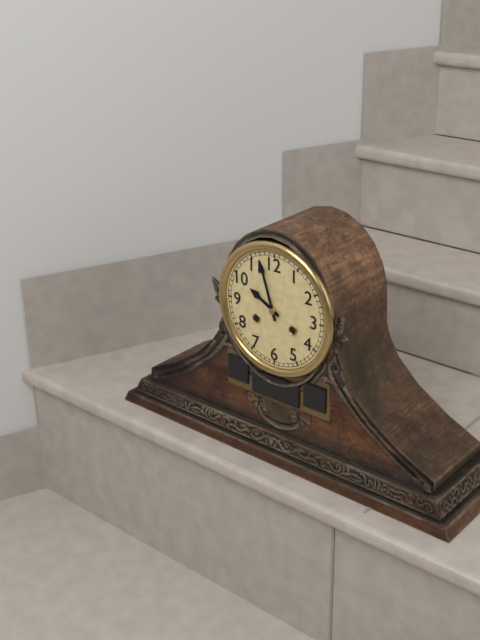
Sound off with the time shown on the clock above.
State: 9:57
